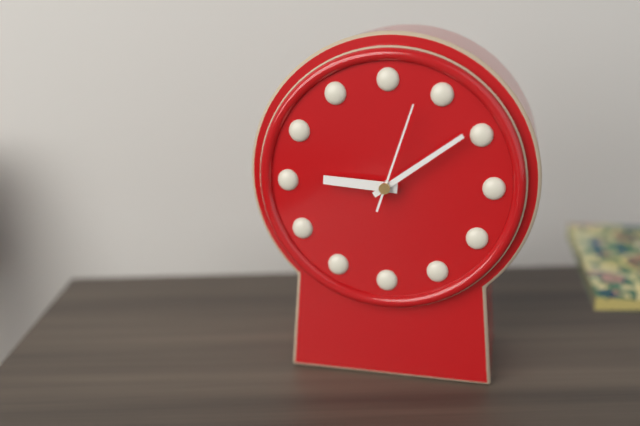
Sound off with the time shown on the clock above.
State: 9:09:03
